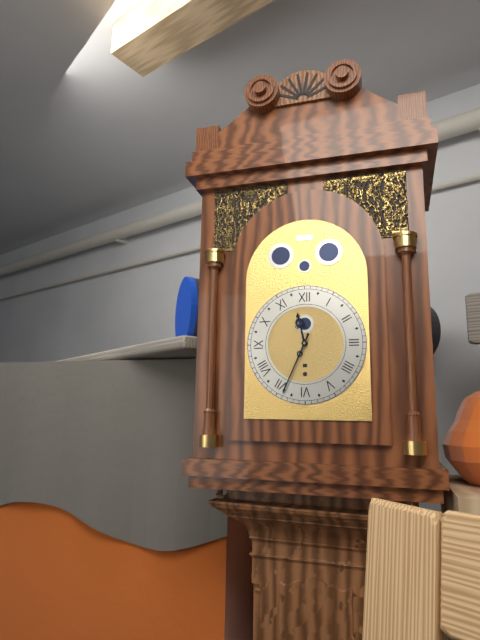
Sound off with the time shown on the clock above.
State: 11:34
